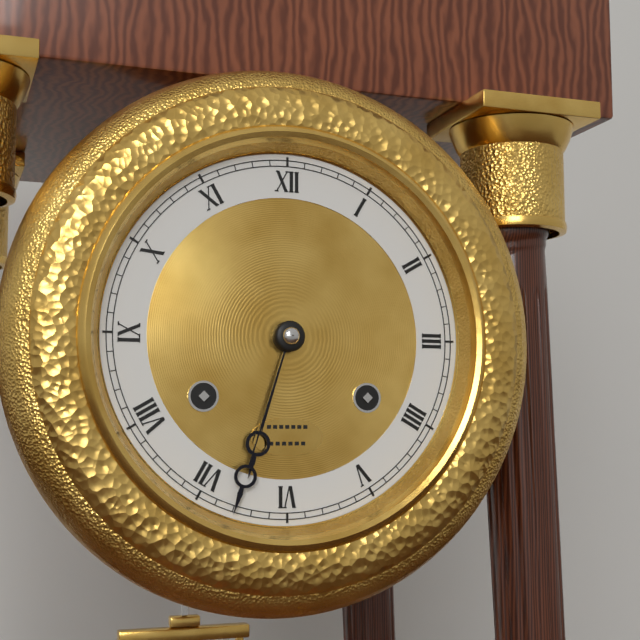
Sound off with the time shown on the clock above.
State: 6:33
